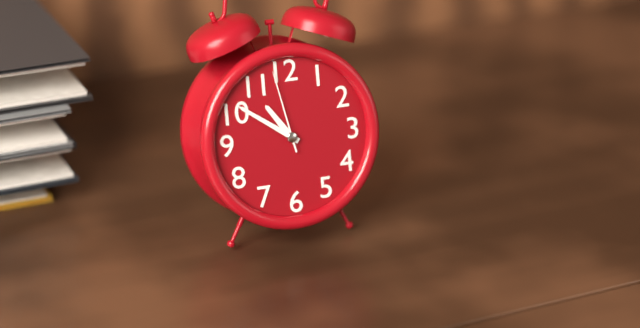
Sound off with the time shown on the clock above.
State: 10:51:58
